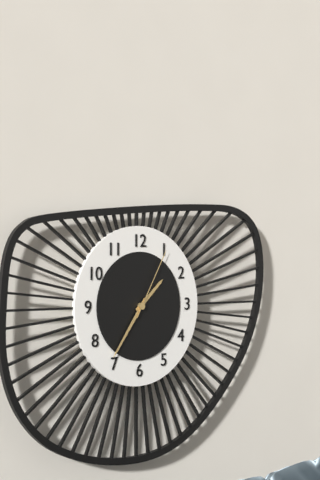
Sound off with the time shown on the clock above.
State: 1:36:05
